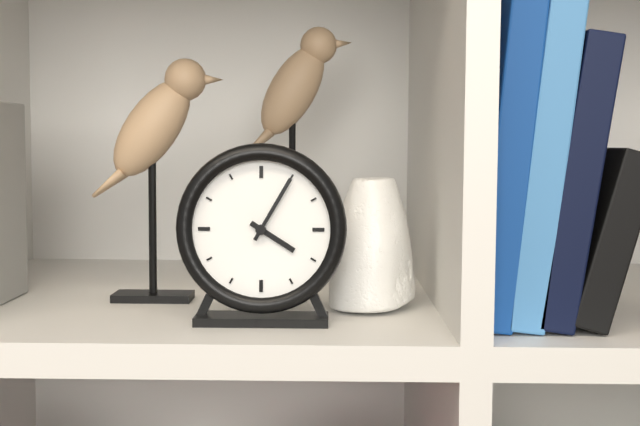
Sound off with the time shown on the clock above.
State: 4:05
